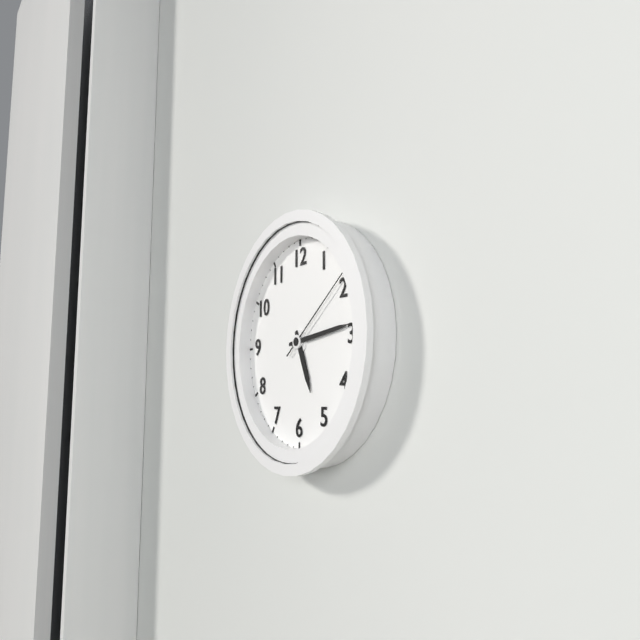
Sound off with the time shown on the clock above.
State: 5:14:09
